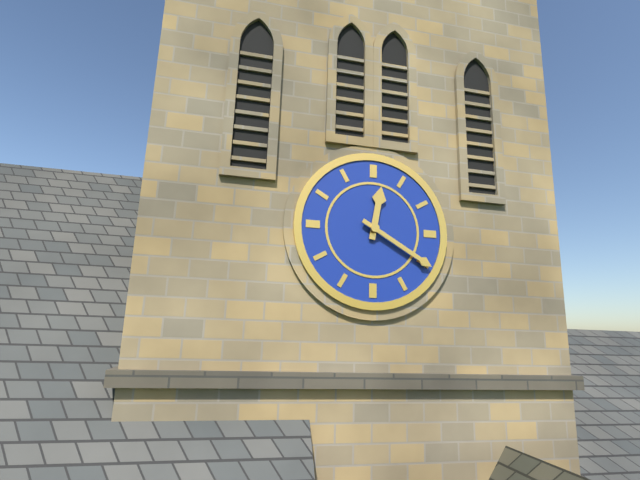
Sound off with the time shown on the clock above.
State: 12:20
